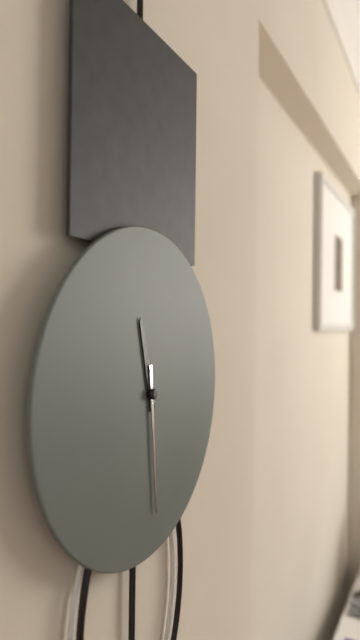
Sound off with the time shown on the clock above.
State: 11:29
